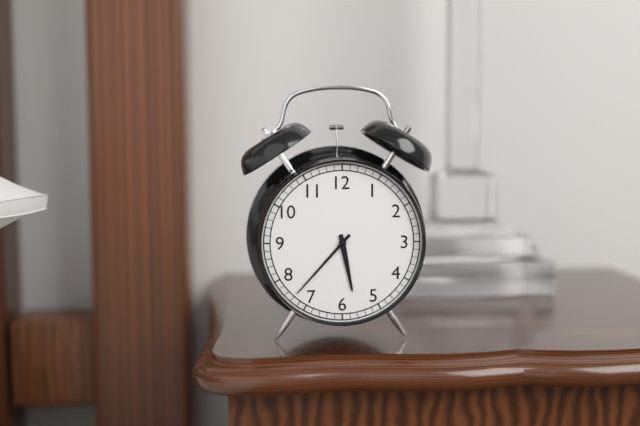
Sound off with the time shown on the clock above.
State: 5:37
